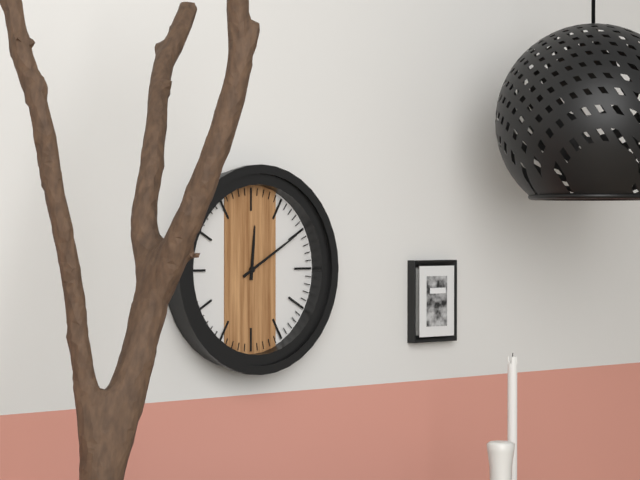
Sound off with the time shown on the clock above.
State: 12:10
